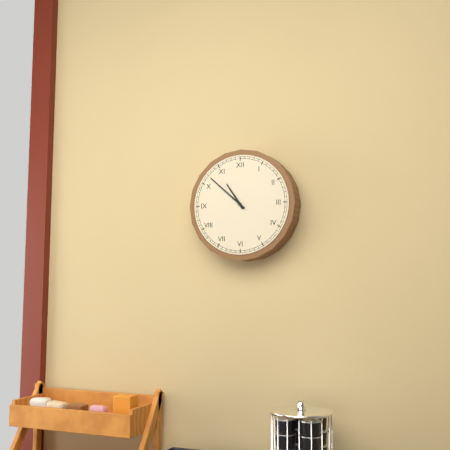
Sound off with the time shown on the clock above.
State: 10:52
